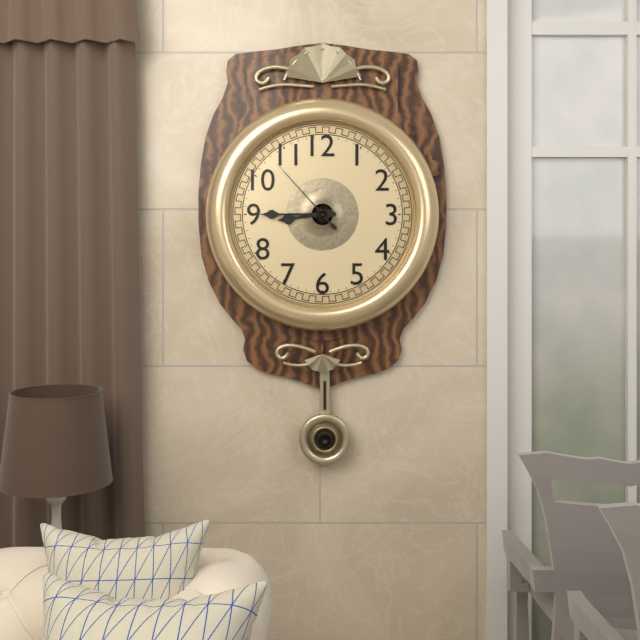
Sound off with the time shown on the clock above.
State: 8:45:53
